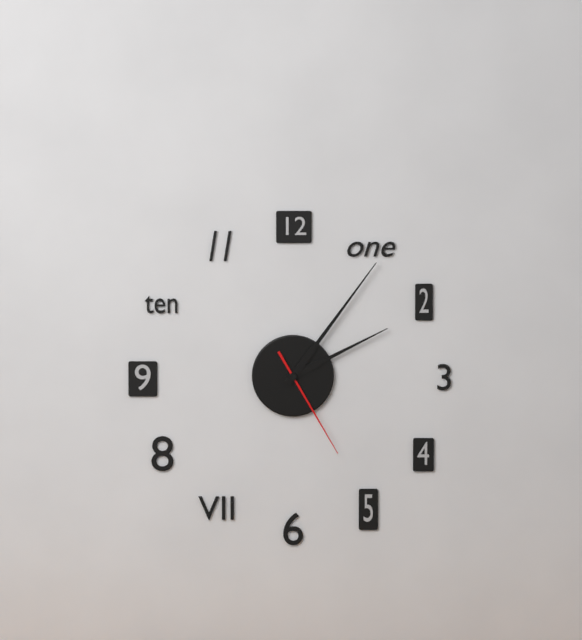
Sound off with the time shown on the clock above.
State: 2:06:25
